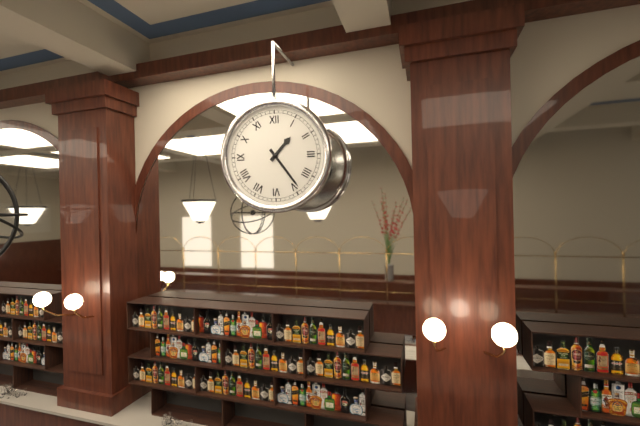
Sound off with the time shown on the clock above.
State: 1:24
